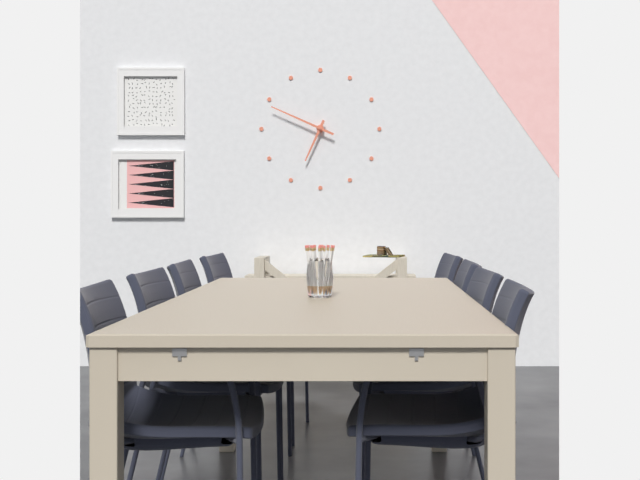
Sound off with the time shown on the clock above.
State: 6:49
